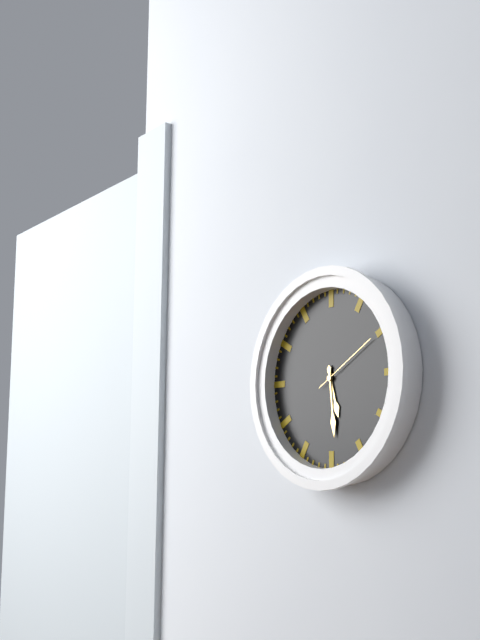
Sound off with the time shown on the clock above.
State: 5:29:10
